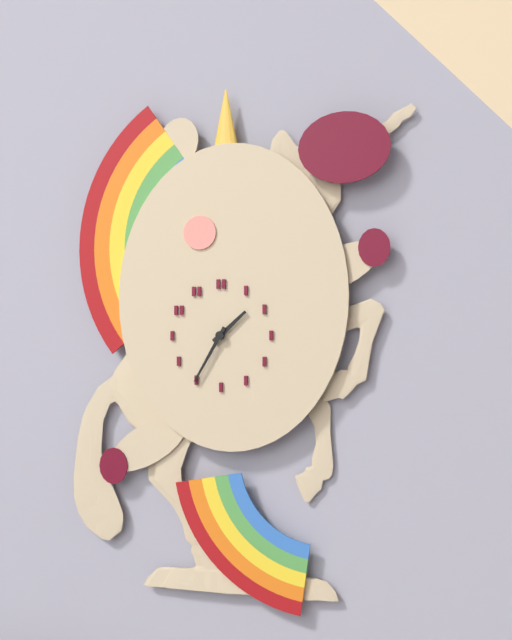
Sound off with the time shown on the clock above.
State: 1:35
